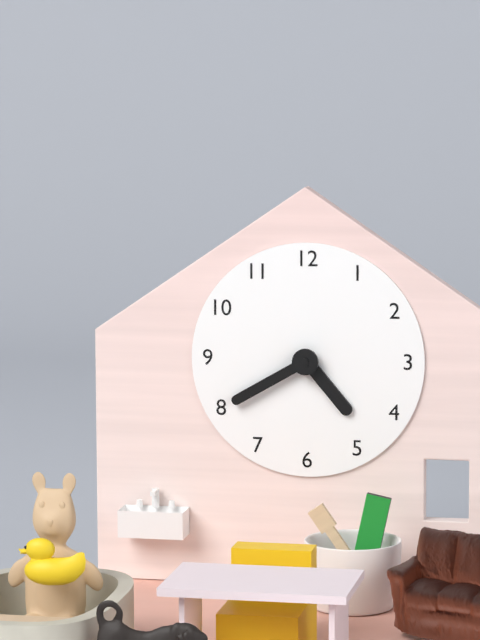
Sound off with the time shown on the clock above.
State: 4:40
